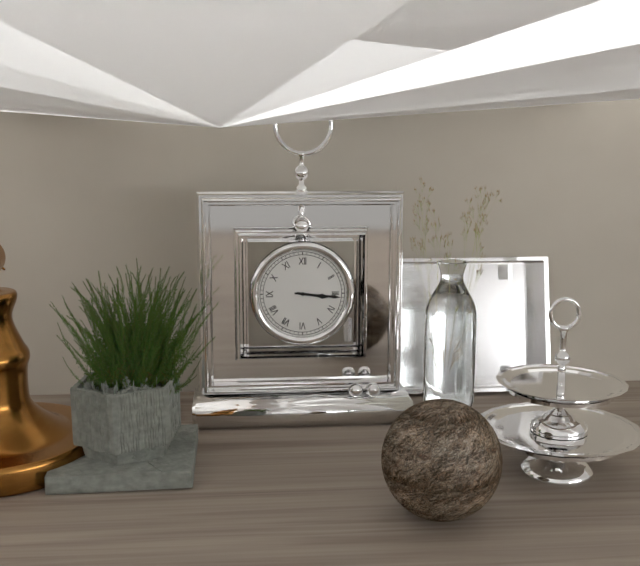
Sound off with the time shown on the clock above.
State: 3:16
